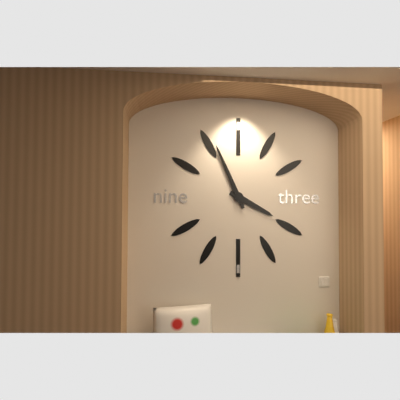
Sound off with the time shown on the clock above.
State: 3:56
